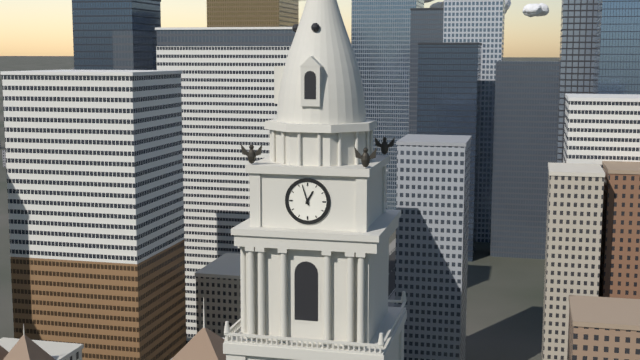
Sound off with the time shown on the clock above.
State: 12:57
